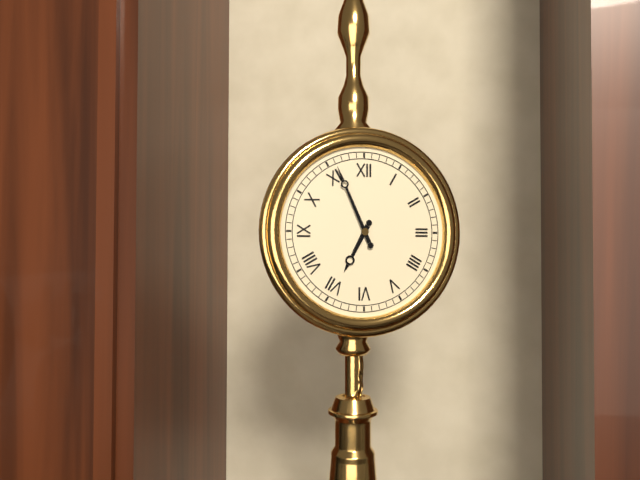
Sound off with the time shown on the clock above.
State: 6:56
